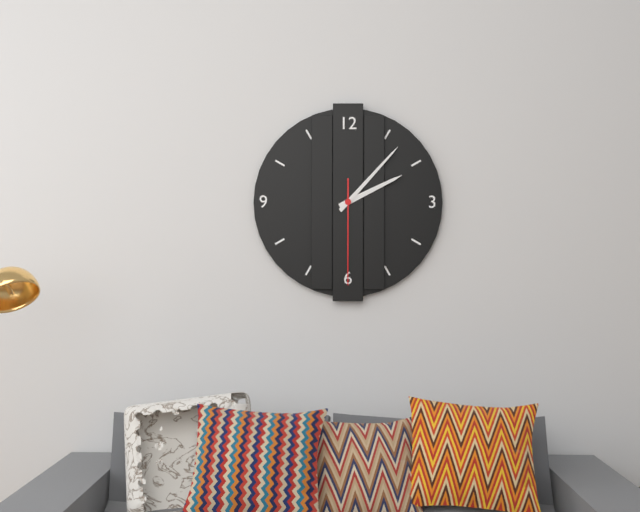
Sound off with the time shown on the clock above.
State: 2:07:30
